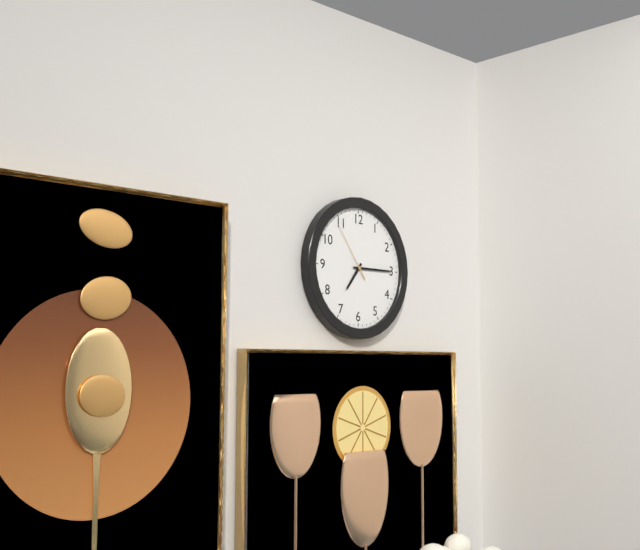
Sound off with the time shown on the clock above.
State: 7:15:54
